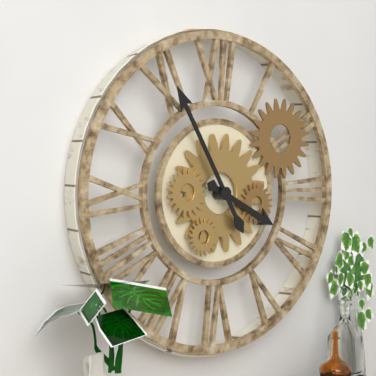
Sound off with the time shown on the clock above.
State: 3:55
